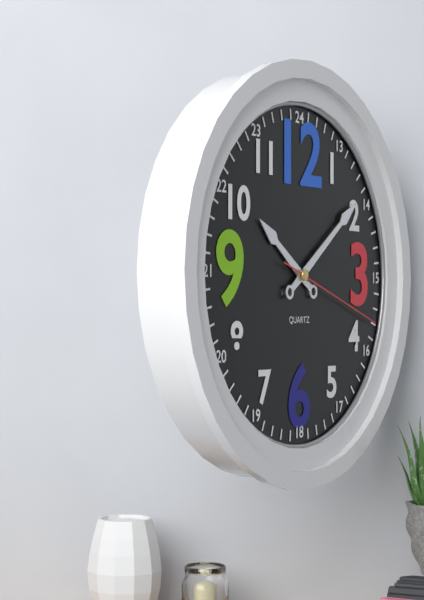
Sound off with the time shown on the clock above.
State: 10:09:18
